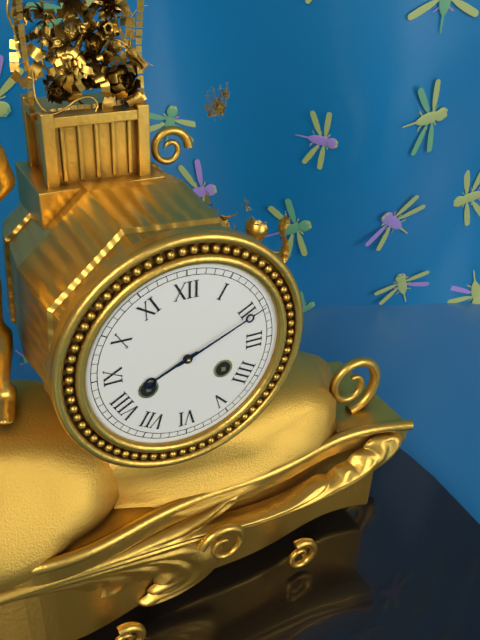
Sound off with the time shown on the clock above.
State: 8:11
